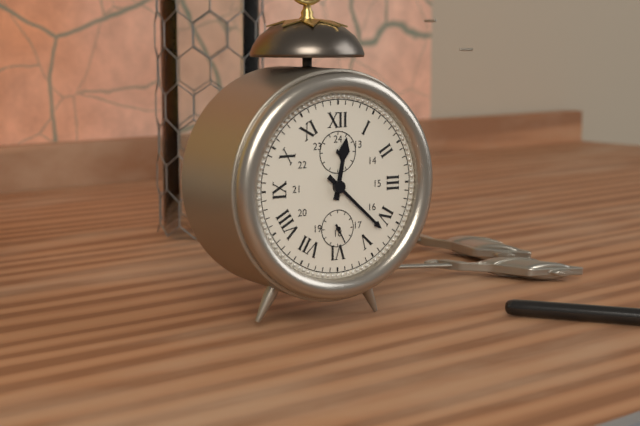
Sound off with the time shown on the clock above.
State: 12:22:25
